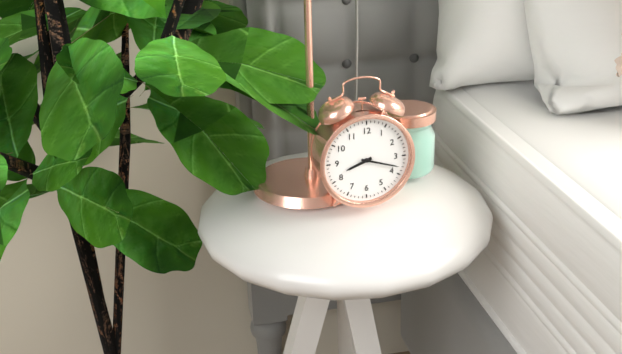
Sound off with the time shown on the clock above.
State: 8:18
